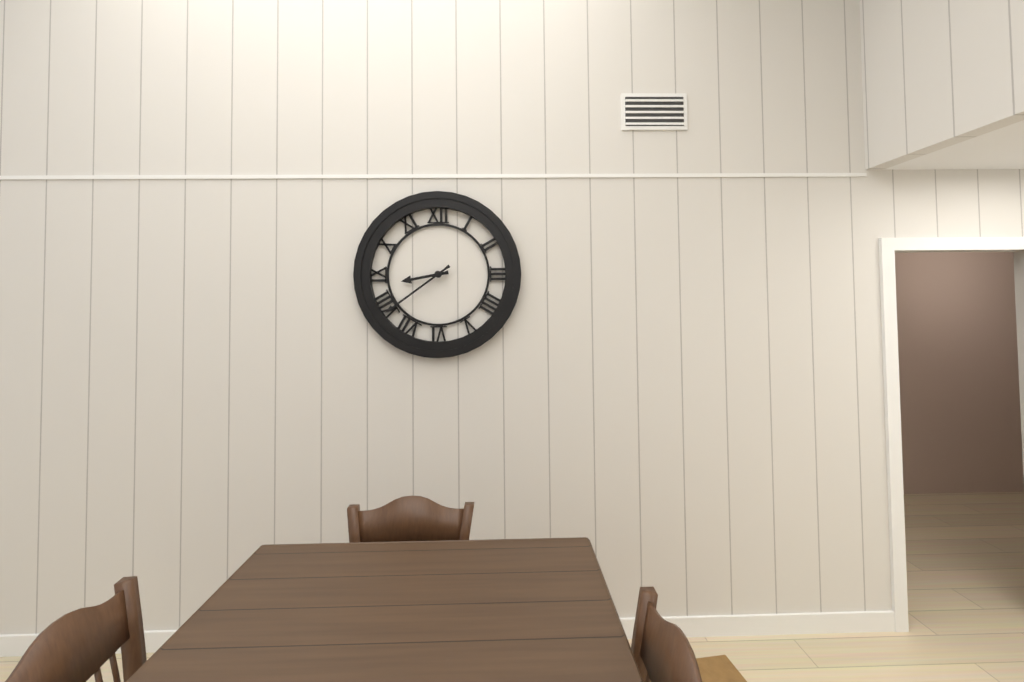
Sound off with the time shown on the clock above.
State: 8:39
